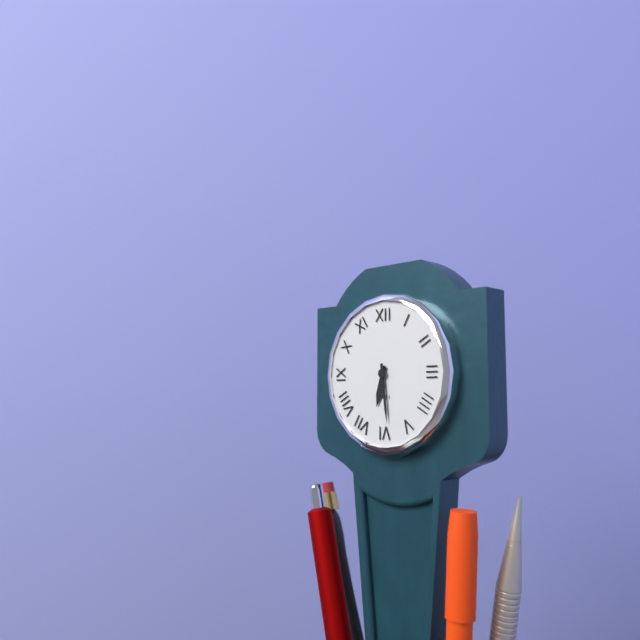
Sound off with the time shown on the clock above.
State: 6:29
